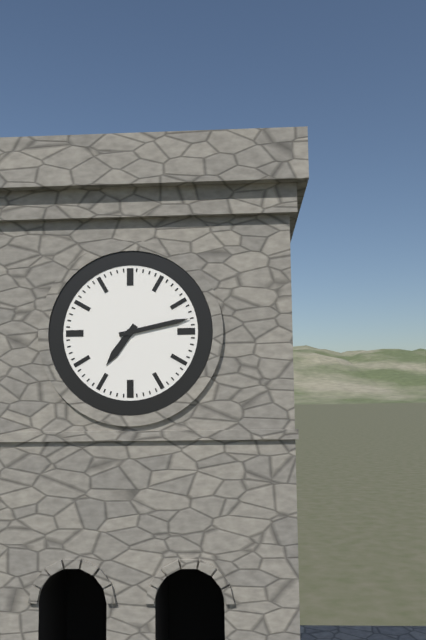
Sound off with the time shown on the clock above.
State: 7:13
